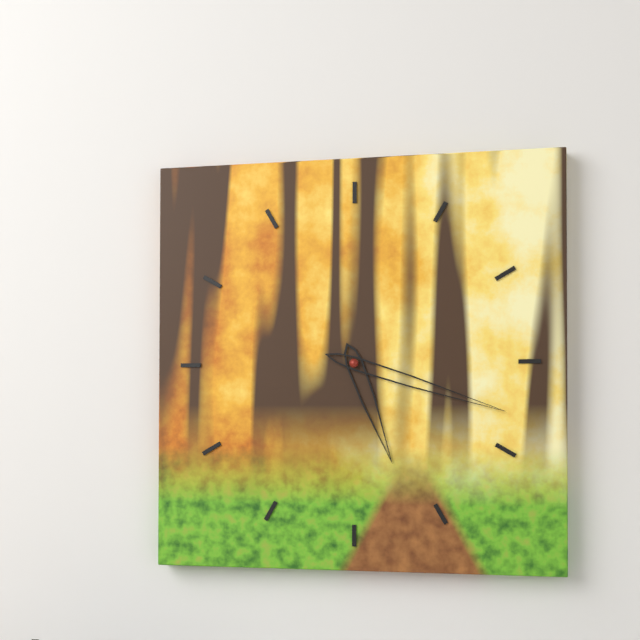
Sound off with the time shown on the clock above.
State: 5:18
